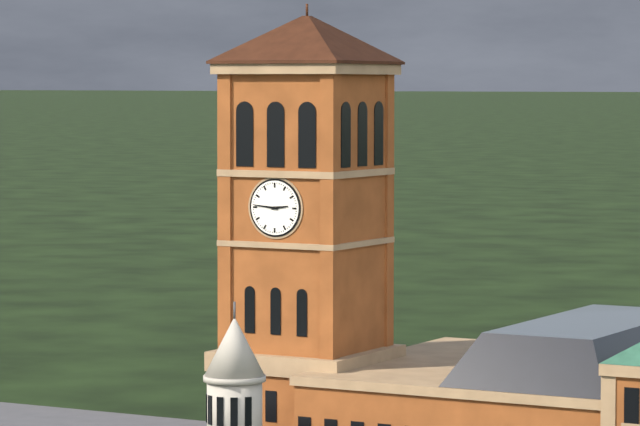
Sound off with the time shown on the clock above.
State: 2:46
